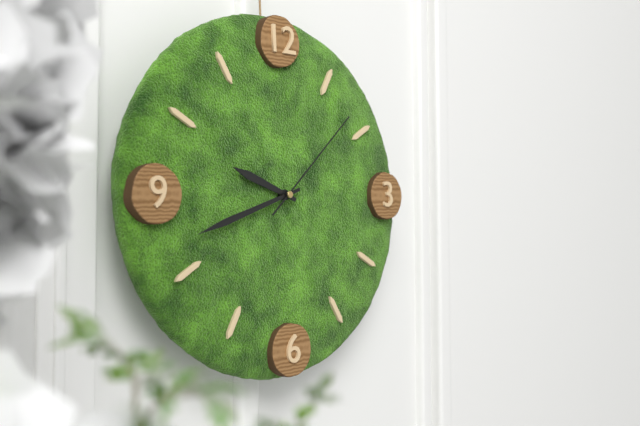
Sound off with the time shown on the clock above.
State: 9:42:08
